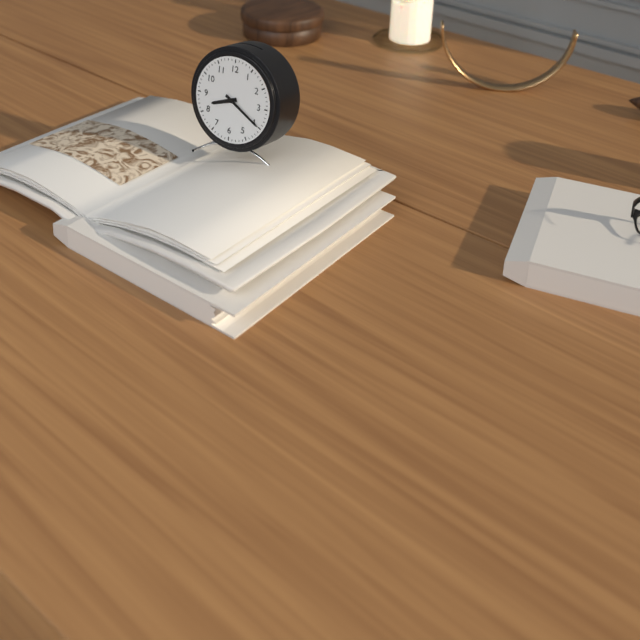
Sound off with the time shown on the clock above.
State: 8:20
